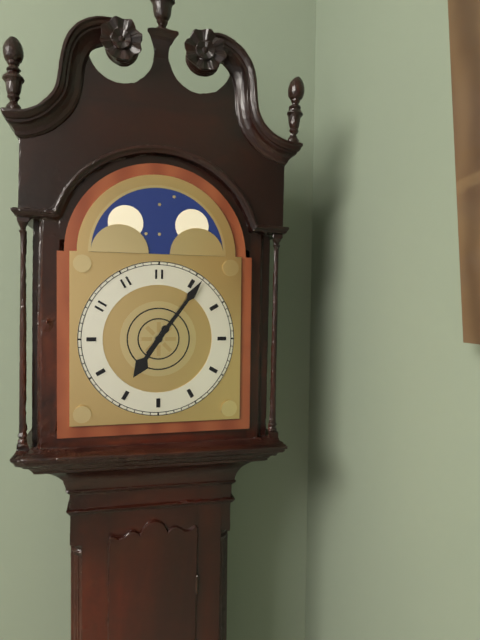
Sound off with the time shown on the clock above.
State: 7:06
